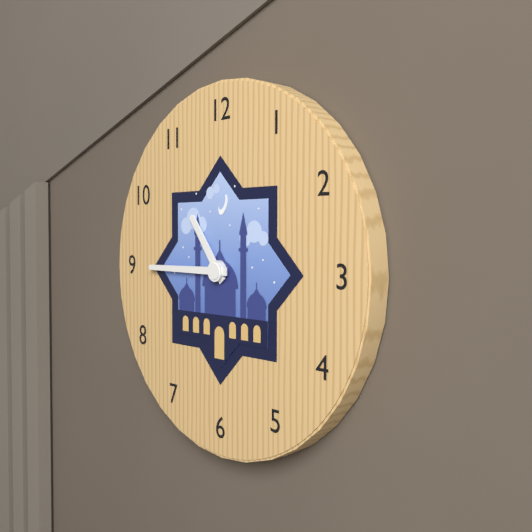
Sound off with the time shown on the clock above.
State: 10:45
